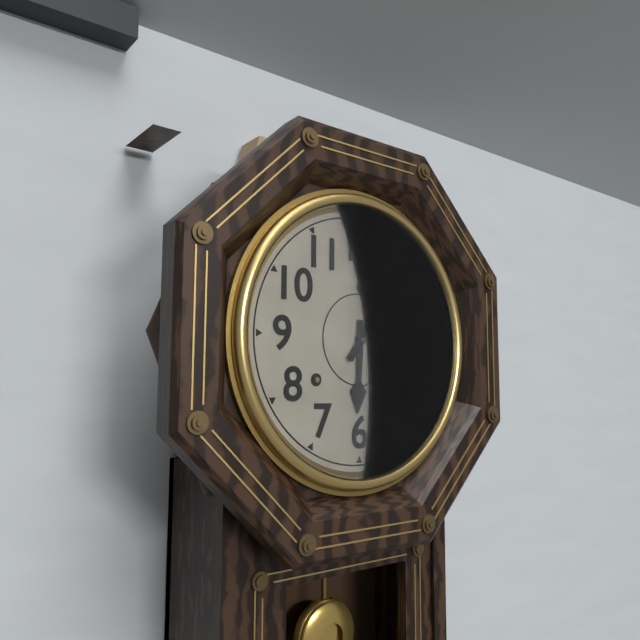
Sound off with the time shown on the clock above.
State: 6:06
